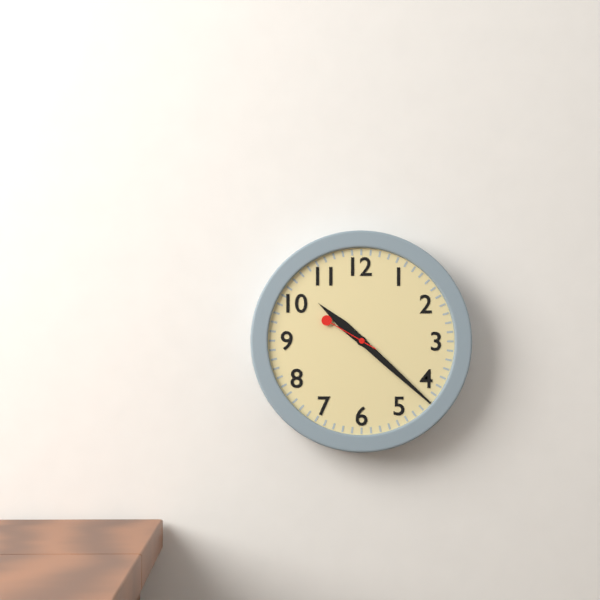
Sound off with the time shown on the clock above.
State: 10:22:50
